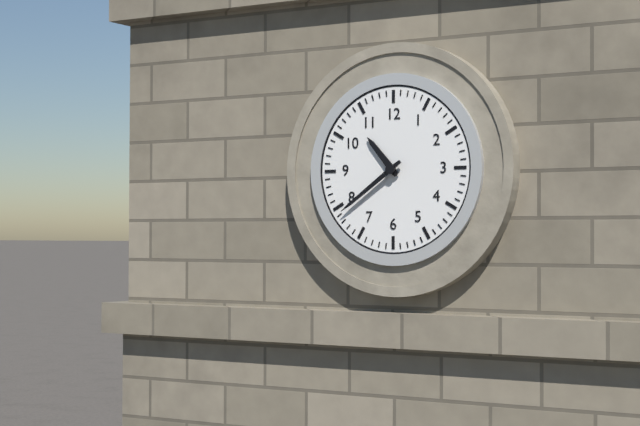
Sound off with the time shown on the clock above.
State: 10:39
